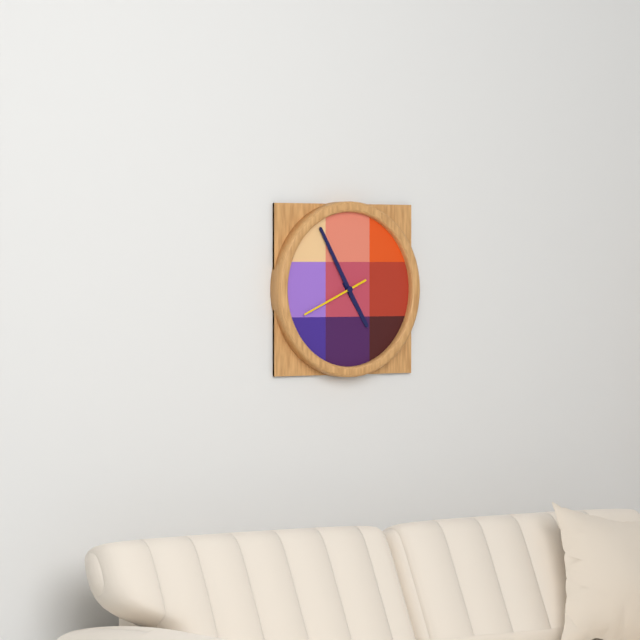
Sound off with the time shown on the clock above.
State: 4:55:41
